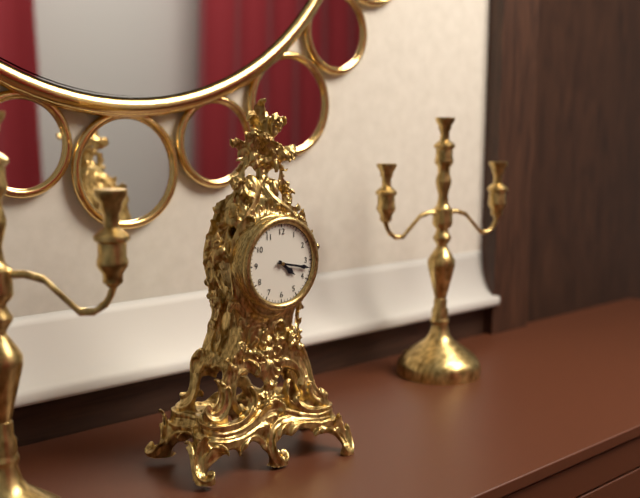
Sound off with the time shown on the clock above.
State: 4:17
